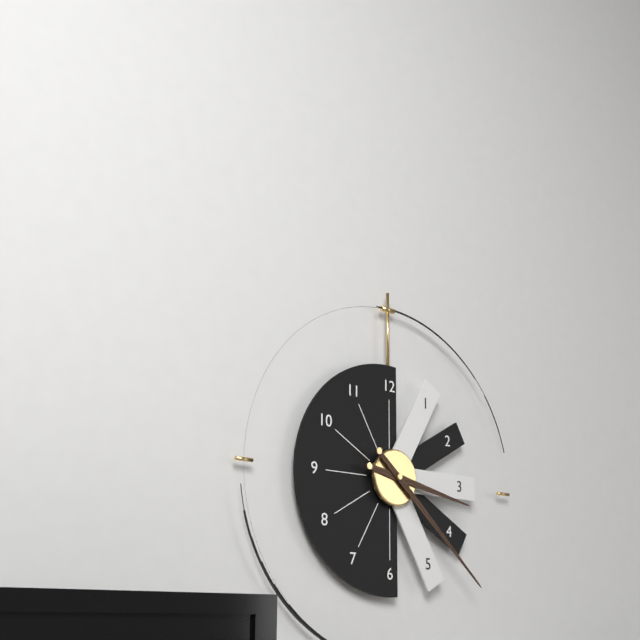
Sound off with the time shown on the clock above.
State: 3:22
